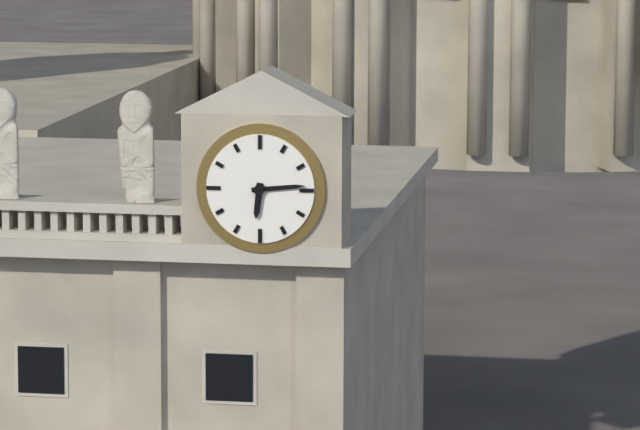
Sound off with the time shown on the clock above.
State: 6:14
